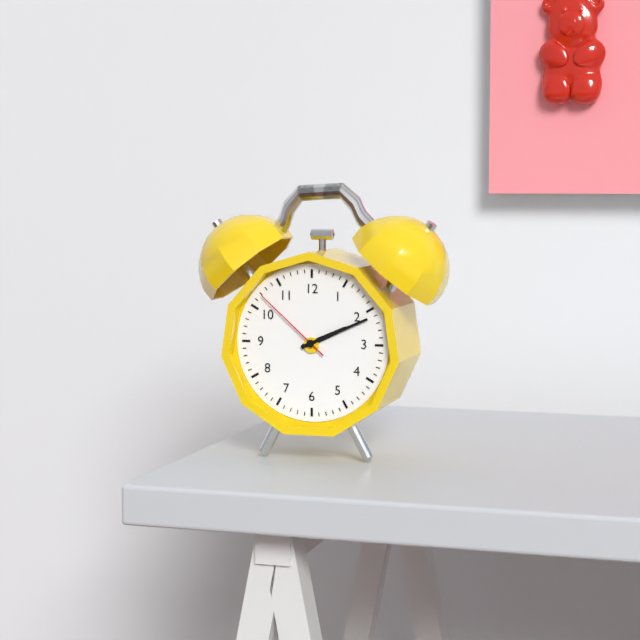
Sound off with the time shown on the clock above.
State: 2:11:52
